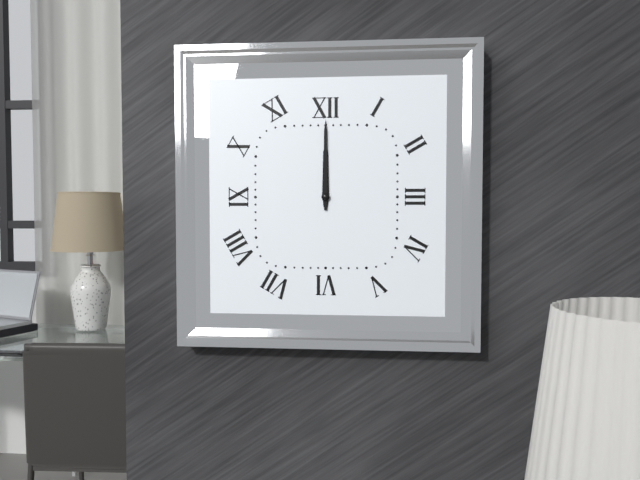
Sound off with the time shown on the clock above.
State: 12:00
